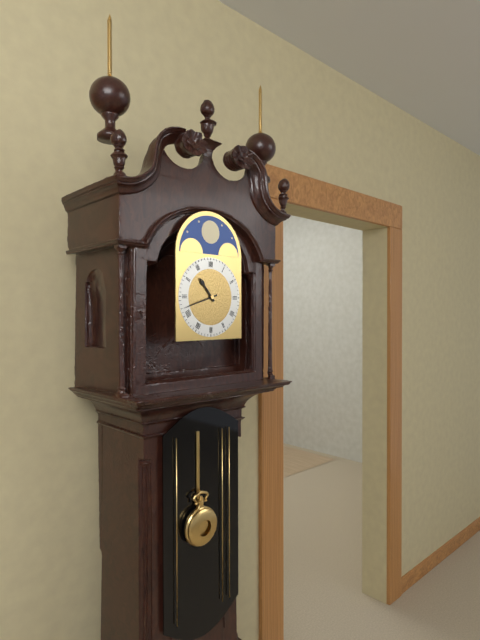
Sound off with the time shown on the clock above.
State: 10:42
